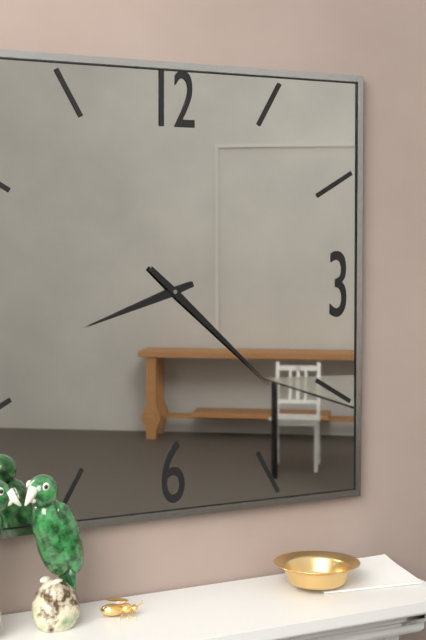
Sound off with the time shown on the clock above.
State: 8:22
